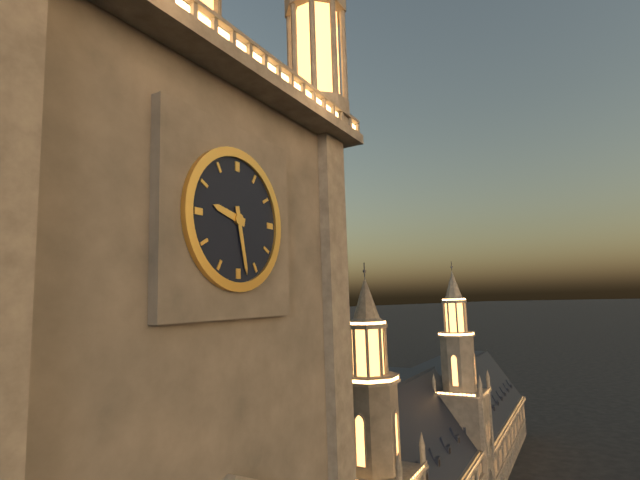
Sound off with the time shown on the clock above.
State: 9:28
